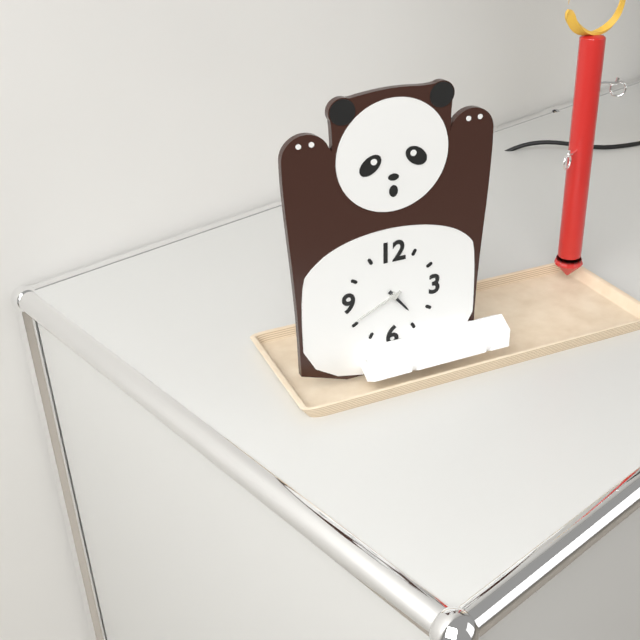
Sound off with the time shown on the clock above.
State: 4:41
